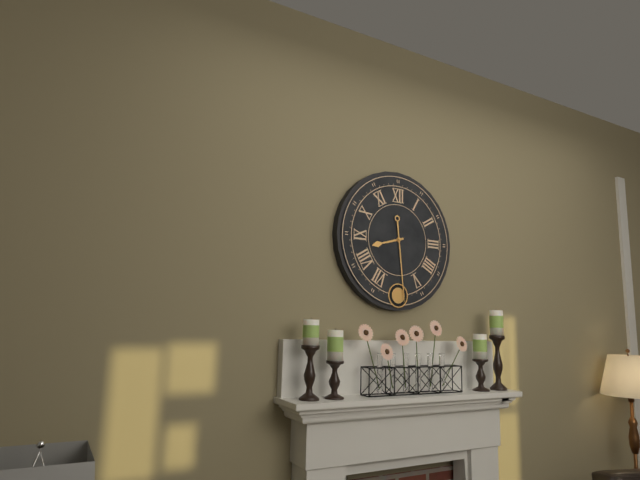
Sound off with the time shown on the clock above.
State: 8:29
